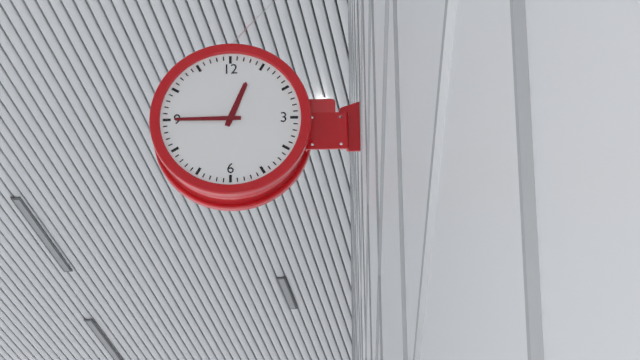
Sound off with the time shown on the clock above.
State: 12:45
